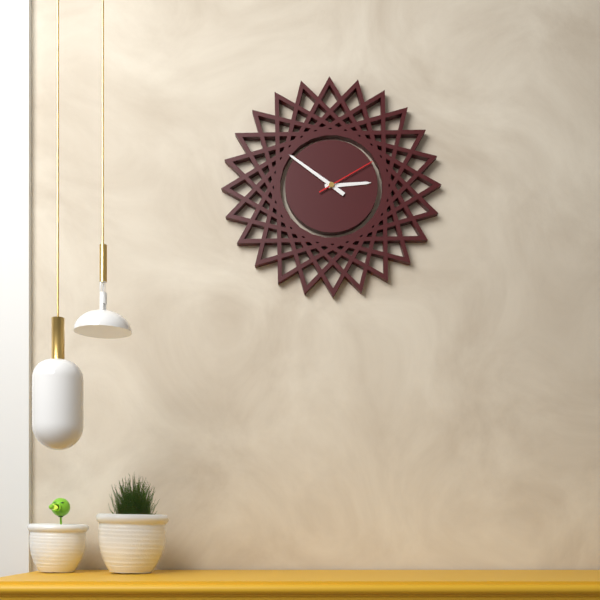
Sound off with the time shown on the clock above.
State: 2:51:10
